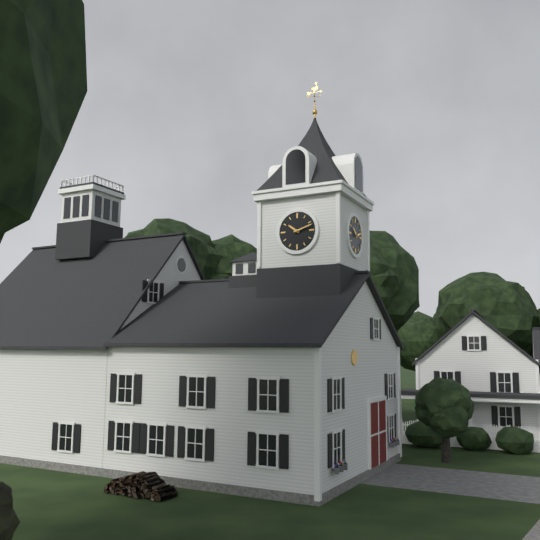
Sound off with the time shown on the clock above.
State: 10:12
